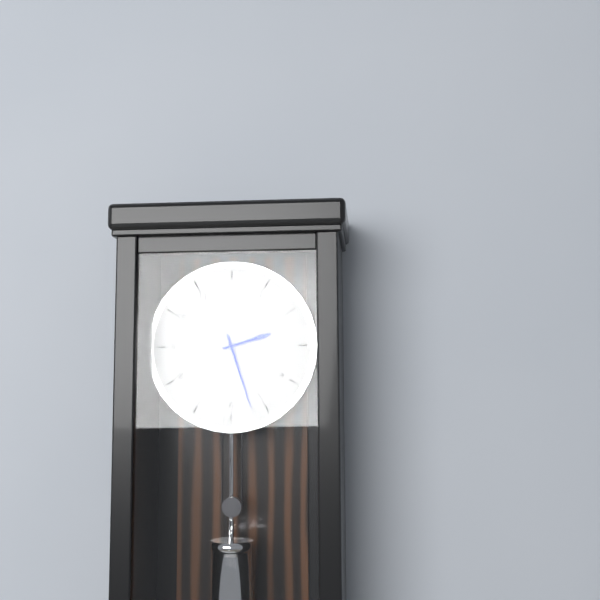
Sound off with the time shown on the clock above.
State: 2:27
